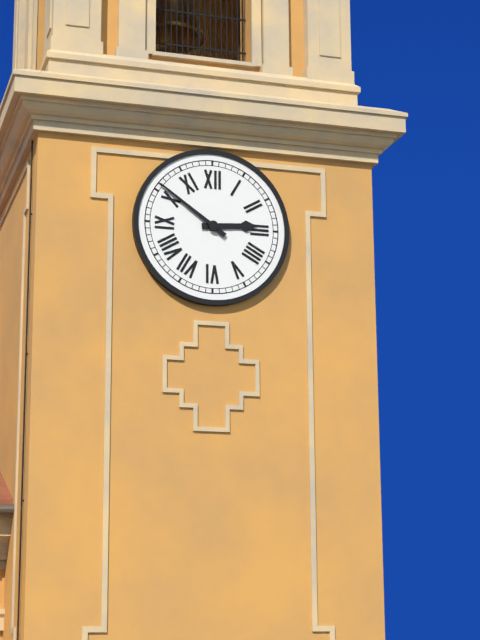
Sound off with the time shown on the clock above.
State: 2:51
